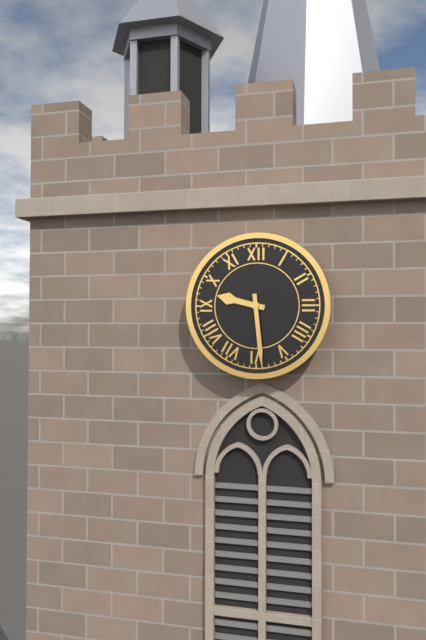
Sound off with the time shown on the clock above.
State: 9:29
